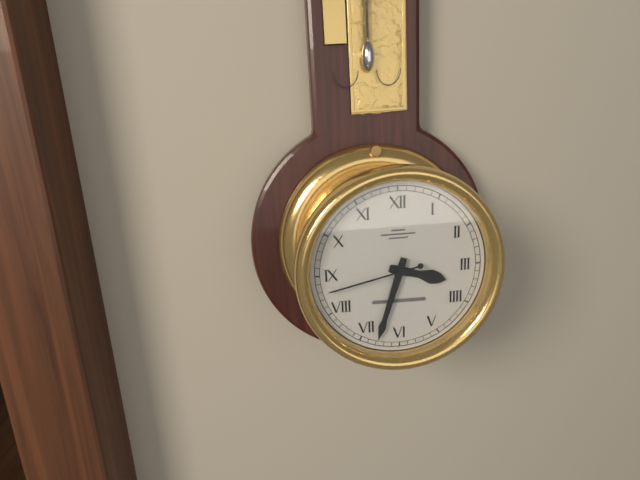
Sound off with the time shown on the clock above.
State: 3:33:43
